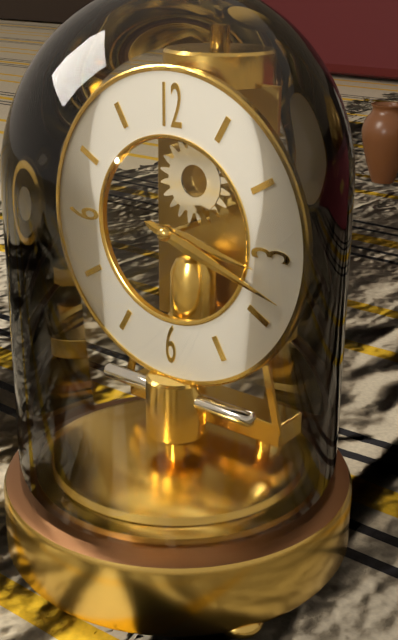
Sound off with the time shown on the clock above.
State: 3:18
